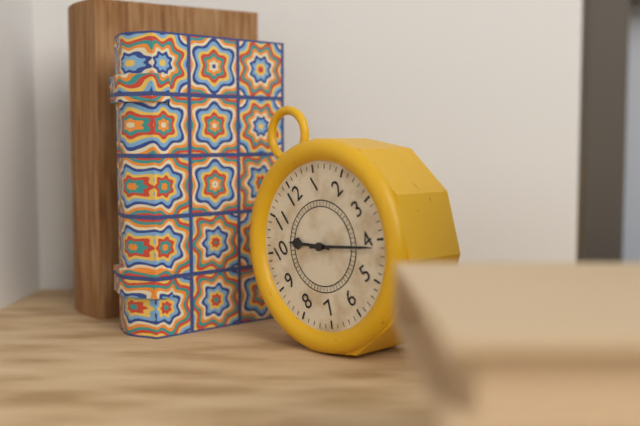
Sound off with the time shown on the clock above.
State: 10:21
